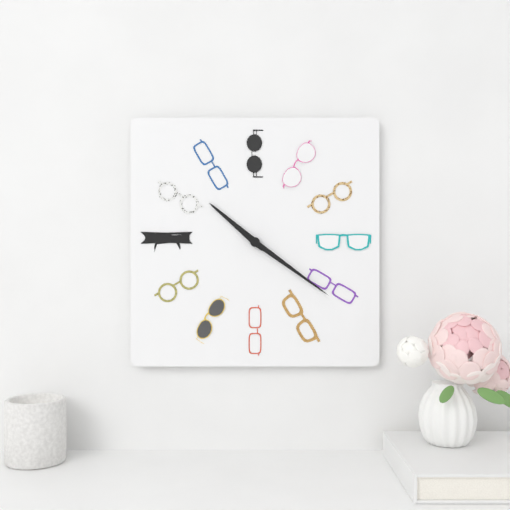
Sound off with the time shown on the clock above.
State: 10:21
